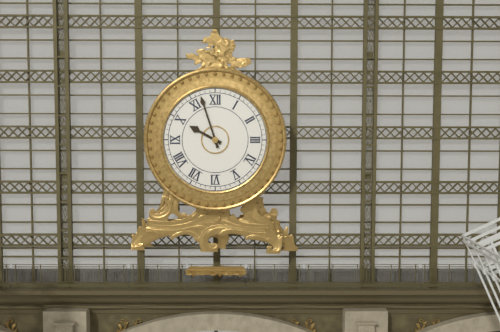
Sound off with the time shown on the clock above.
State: 9:57
